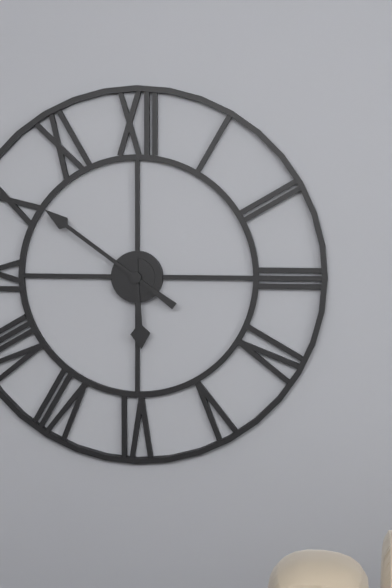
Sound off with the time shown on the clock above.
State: 5:51
